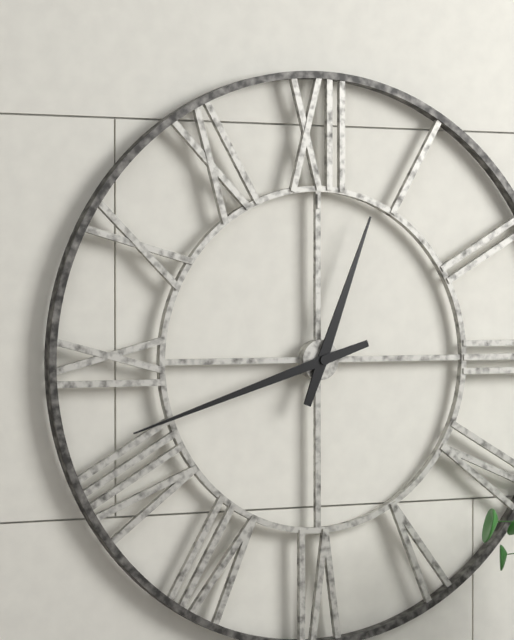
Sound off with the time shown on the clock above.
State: 12:42
